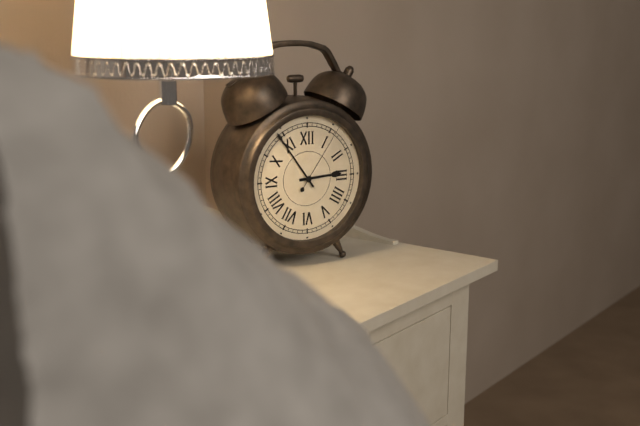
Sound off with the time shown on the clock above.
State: 2:54:06
